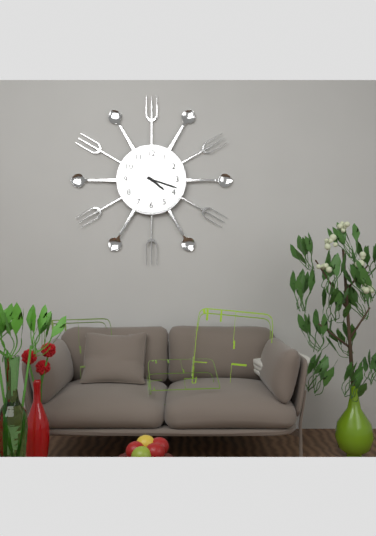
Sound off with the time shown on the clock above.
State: 4:18
